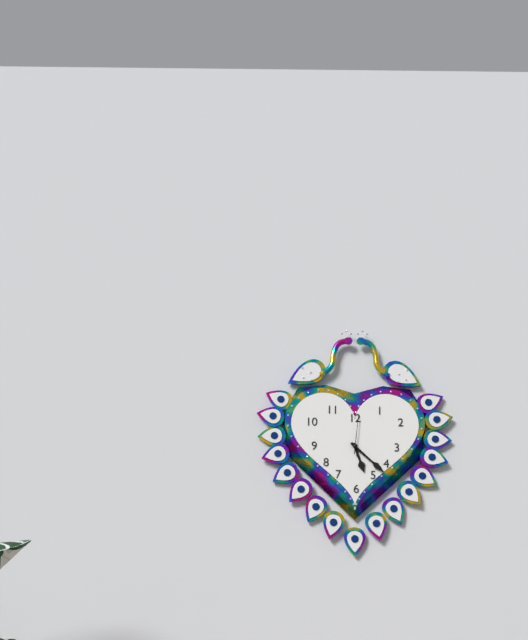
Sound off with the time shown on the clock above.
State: 5:22
